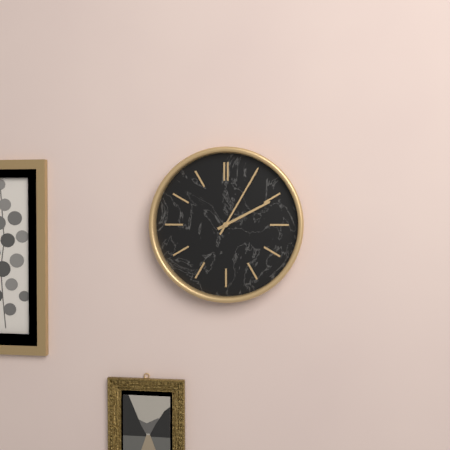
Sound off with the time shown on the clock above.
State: 2:05
